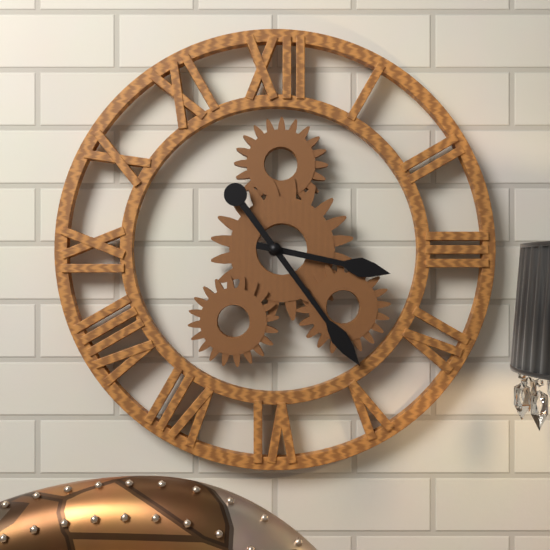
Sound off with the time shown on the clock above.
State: 3:24
